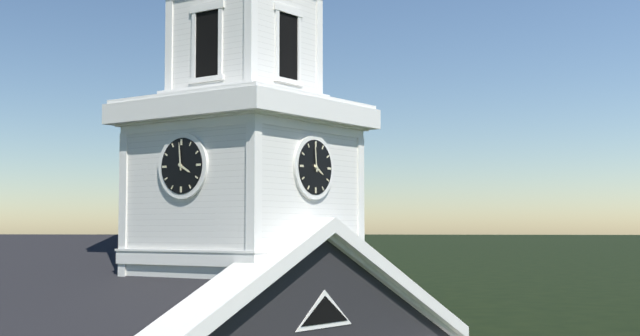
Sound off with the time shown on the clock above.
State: 3:59
